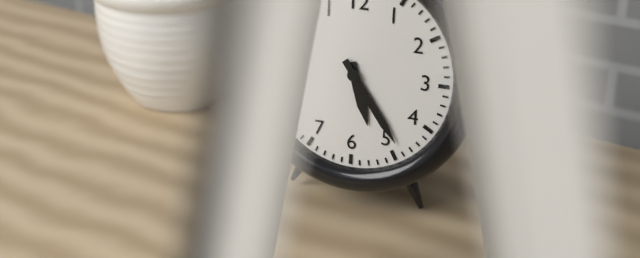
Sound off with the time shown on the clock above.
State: 5:24
